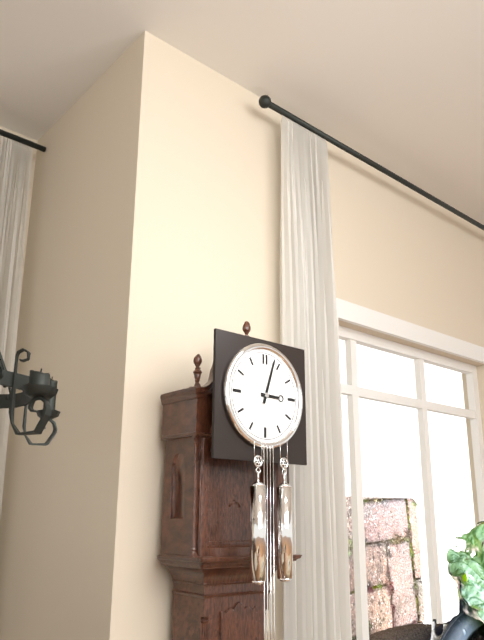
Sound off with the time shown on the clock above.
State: 3:03
